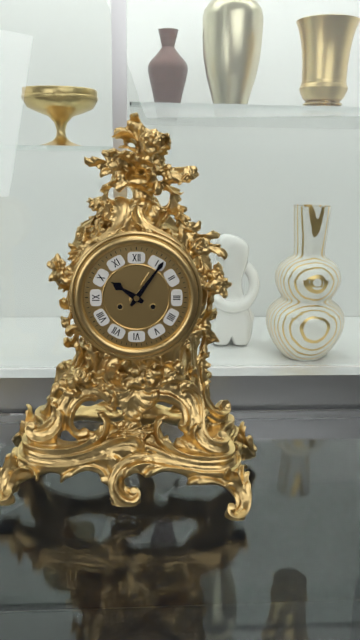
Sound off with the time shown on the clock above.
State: 10:06
